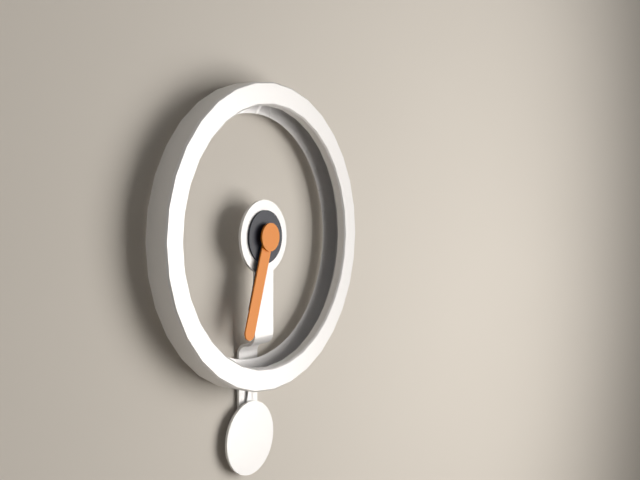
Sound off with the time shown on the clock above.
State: 6:33
